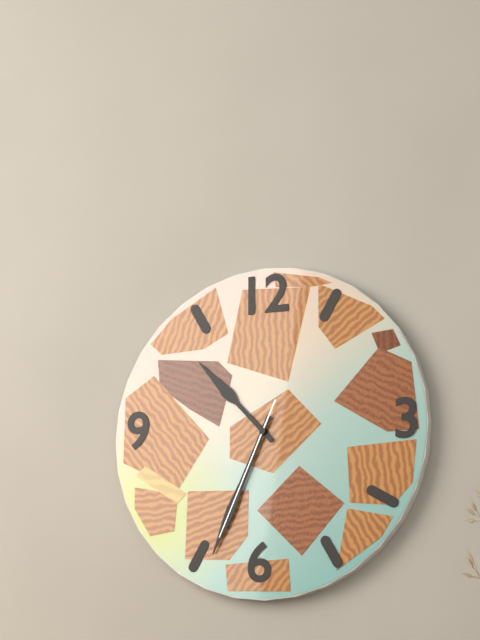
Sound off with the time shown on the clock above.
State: 10:34:34
